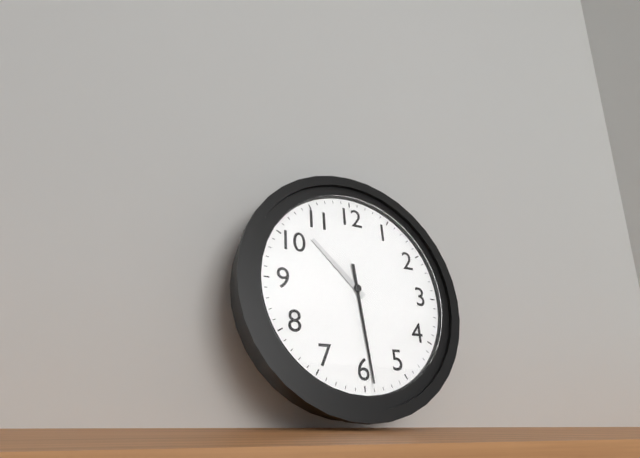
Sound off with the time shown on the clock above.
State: 10:29
